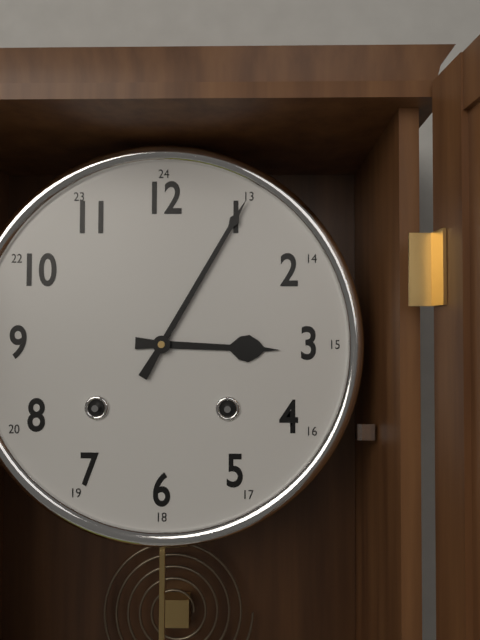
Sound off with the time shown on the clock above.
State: 3:05
